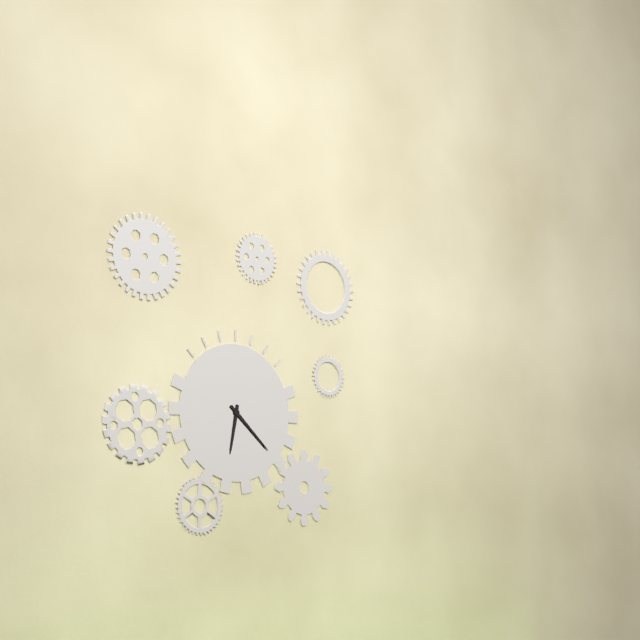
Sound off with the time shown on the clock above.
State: 6:22
